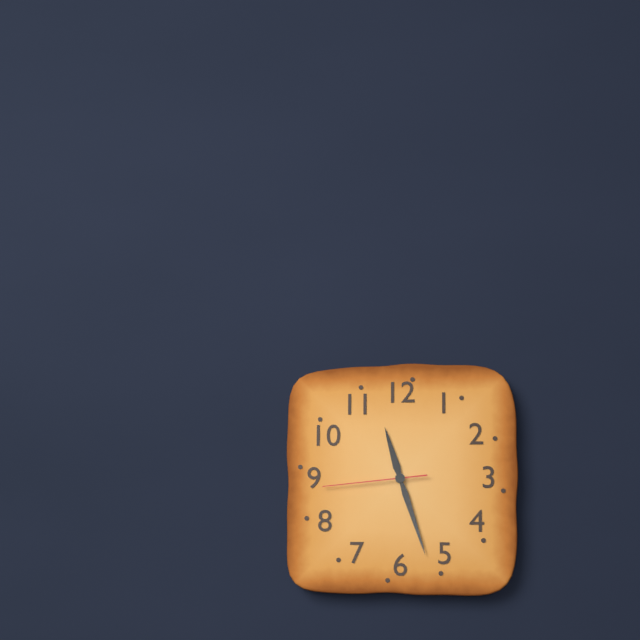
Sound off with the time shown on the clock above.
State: 11:27:44
